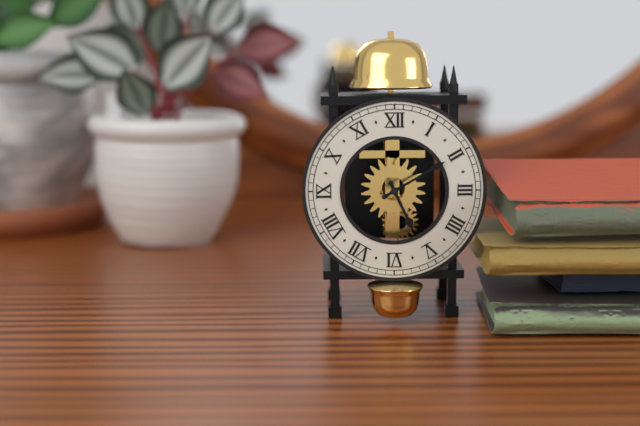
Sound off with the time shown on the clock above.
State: 5:10
